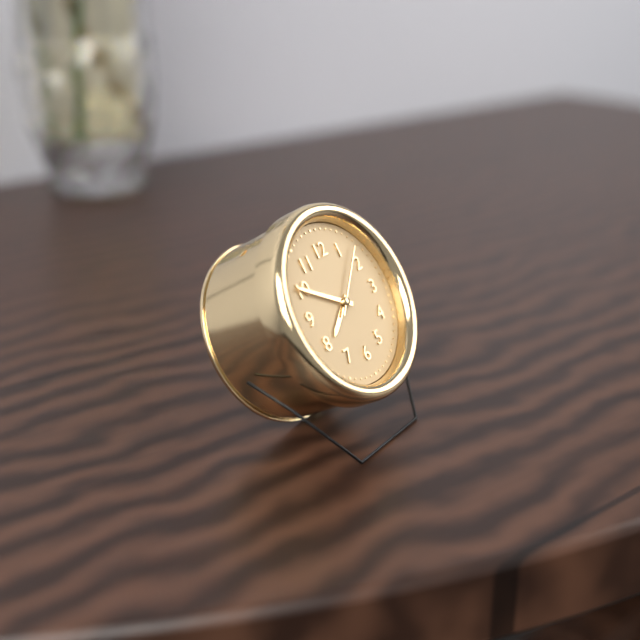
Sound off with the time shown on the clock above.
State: 7:50:08
